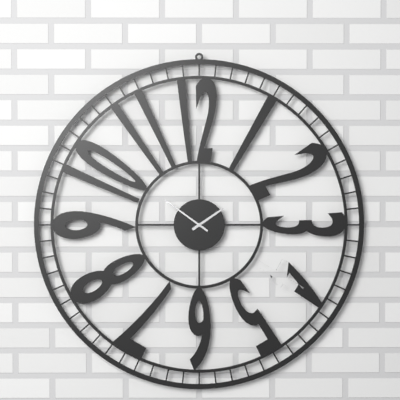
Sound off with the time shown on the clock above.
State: 1:51
